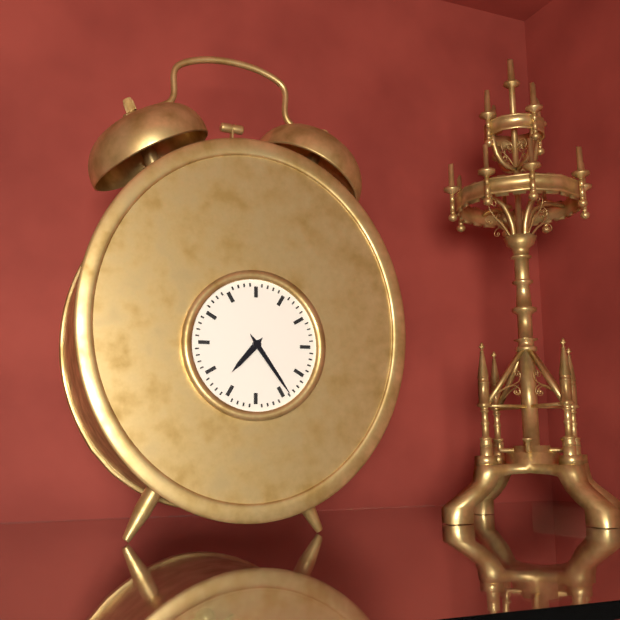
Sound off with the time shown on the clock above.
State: 7:24
